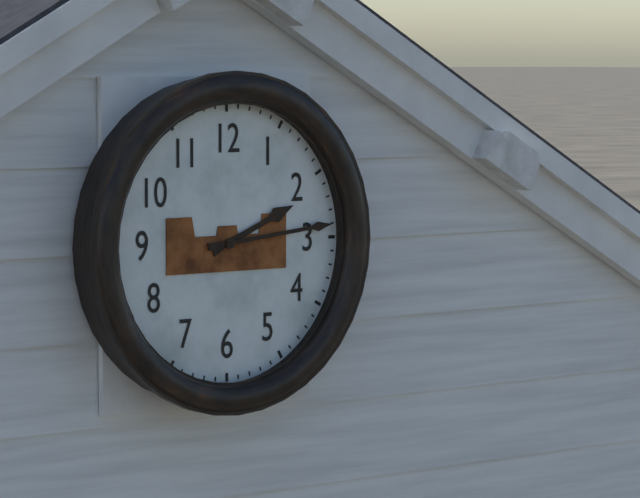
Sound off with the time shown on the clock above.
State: 2:14
